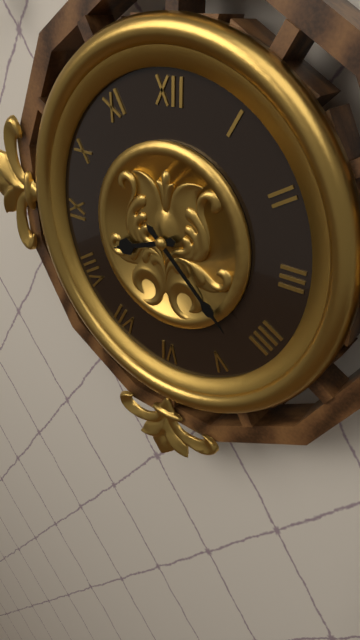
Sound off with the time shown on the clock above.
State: 8:22
